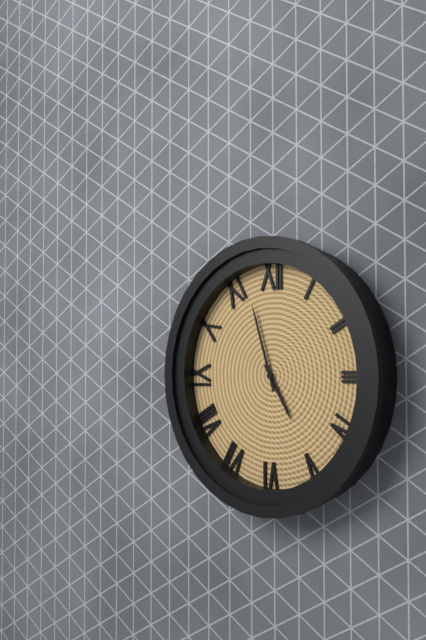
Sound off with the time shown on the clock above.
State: 4:57
